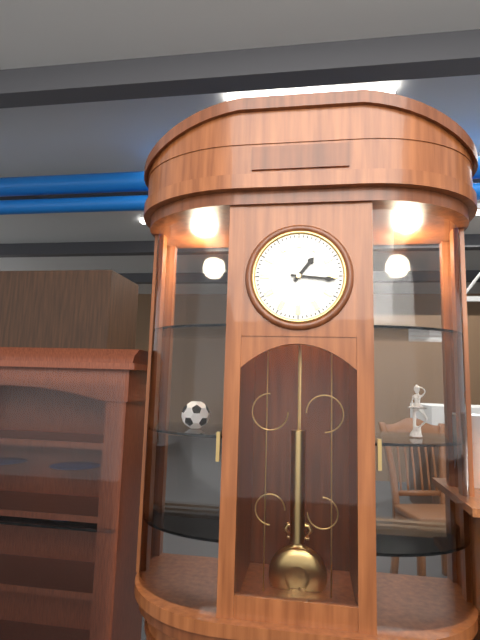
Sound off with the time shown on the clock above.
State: 1:16
